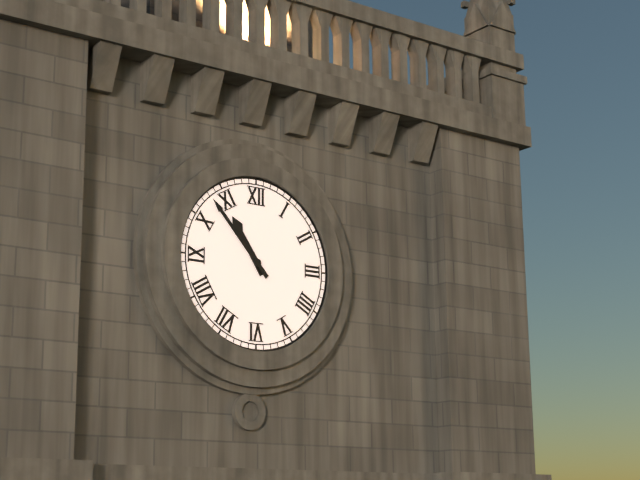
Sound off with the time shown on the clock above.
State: 10:53
